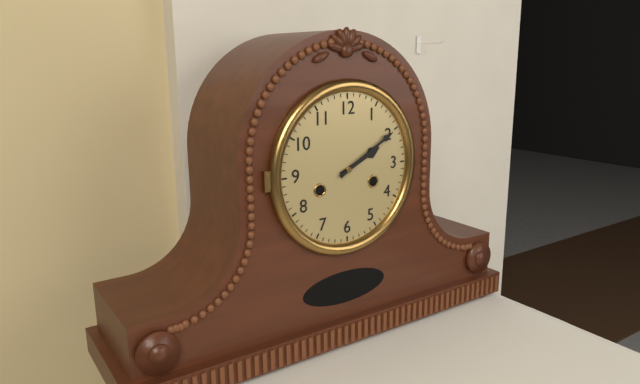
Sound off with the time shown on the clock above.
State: 2:10
